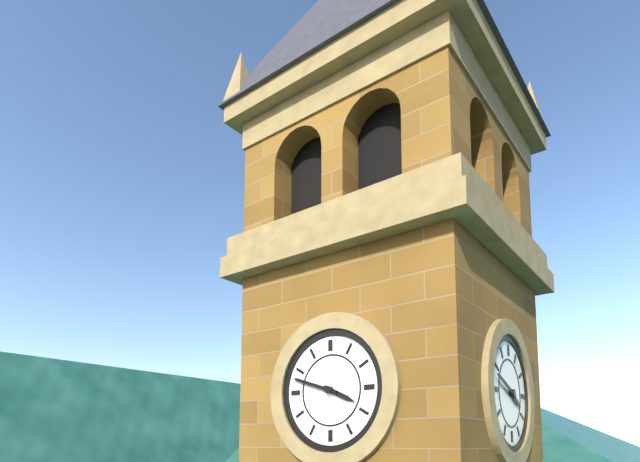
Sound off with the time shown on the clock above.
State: 3:48
